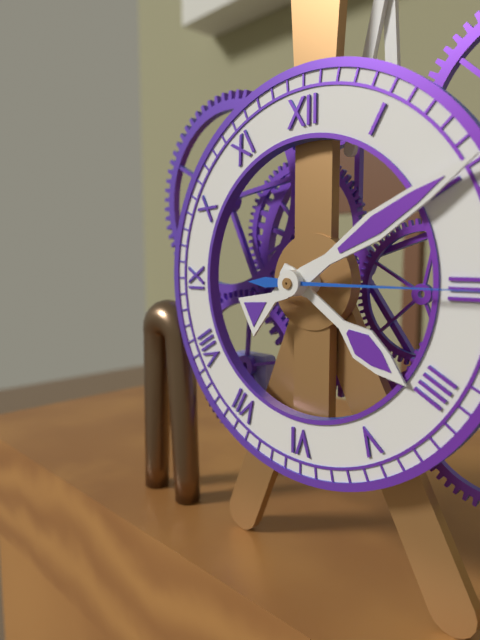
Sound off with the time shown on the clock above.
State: 4:10
